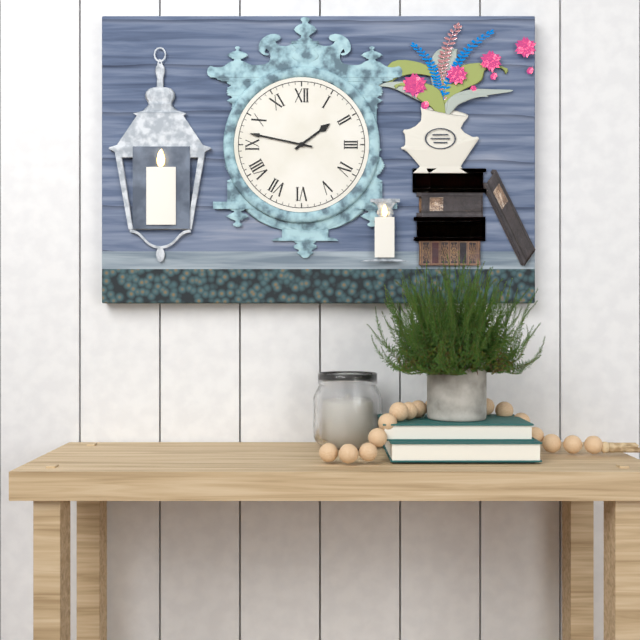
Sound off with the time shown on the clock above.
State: 1:47
